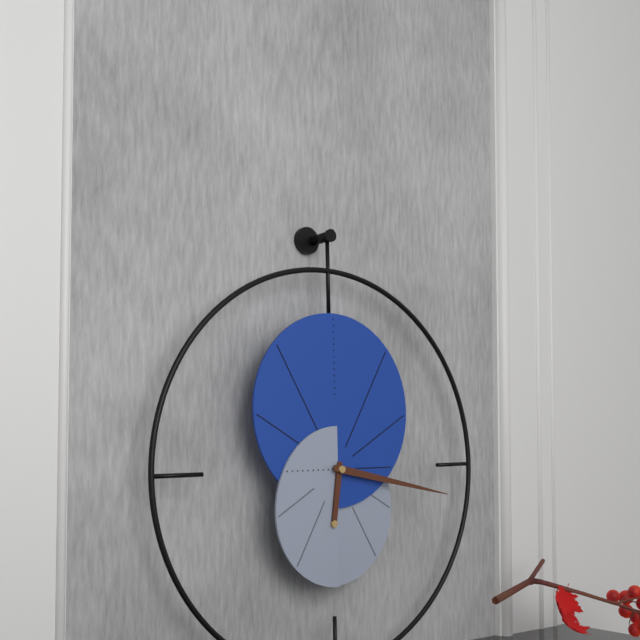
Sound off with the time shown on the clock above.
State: 6:17
